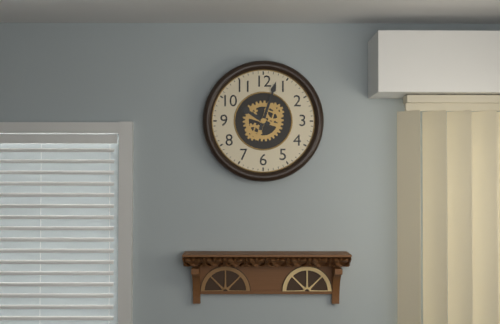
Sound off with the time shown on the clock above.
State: 10:03
